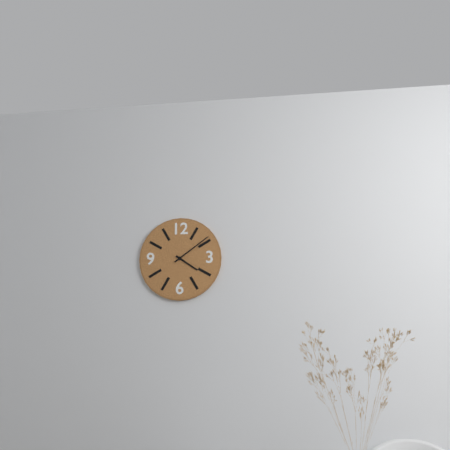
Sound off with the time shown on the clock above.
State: 4:09
